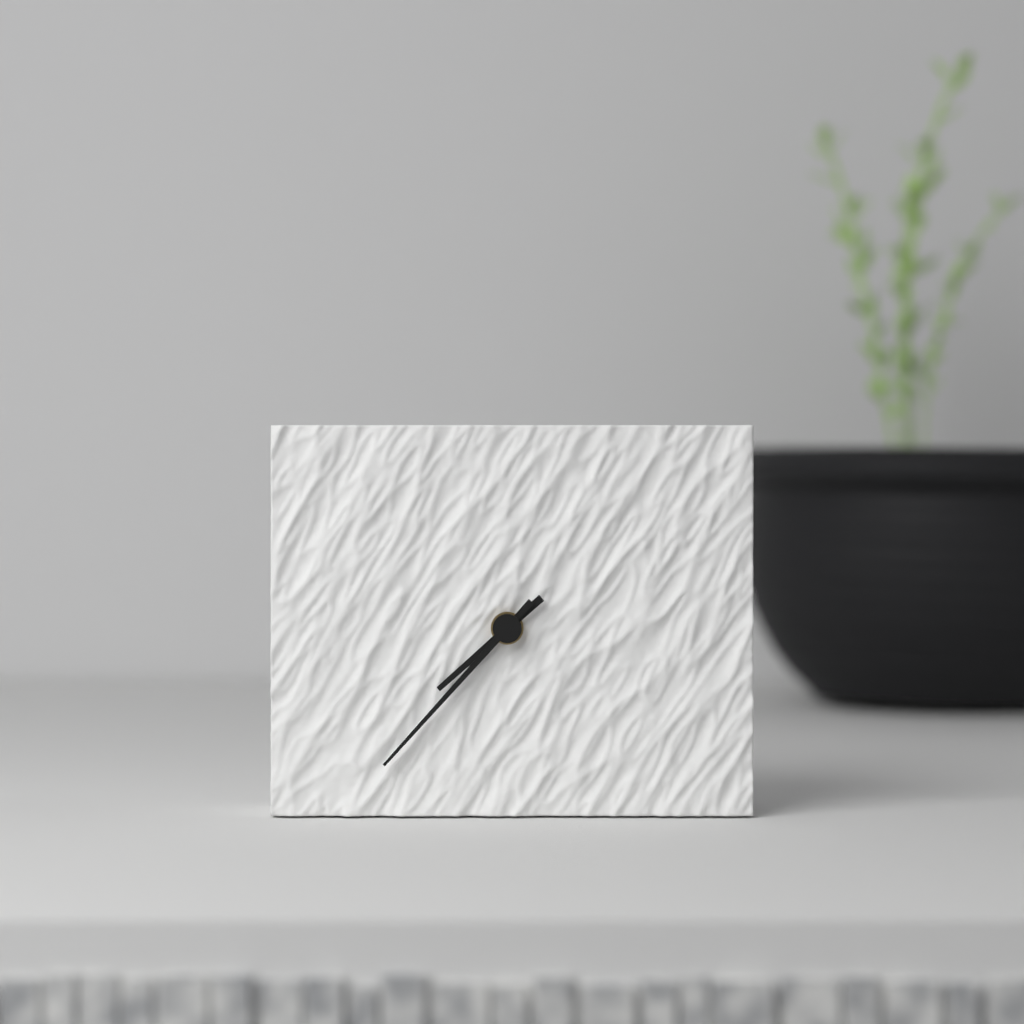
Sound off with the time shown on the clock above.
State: 7:37
